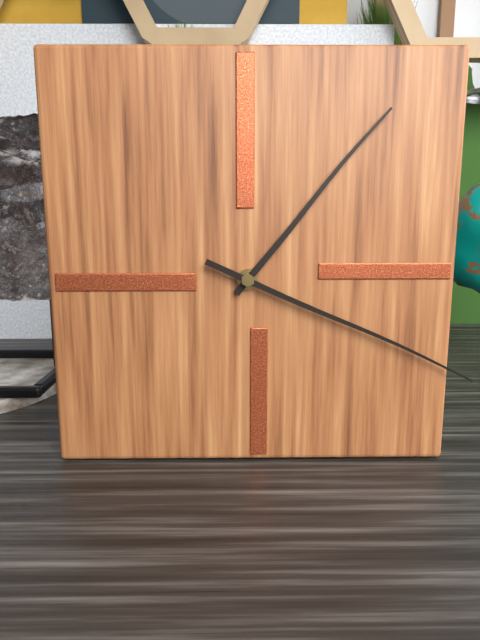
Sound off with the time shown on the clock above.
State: 1:19
